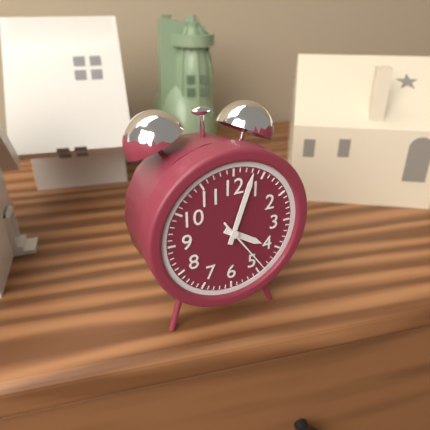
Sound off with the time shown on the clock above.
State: 4:03:24
